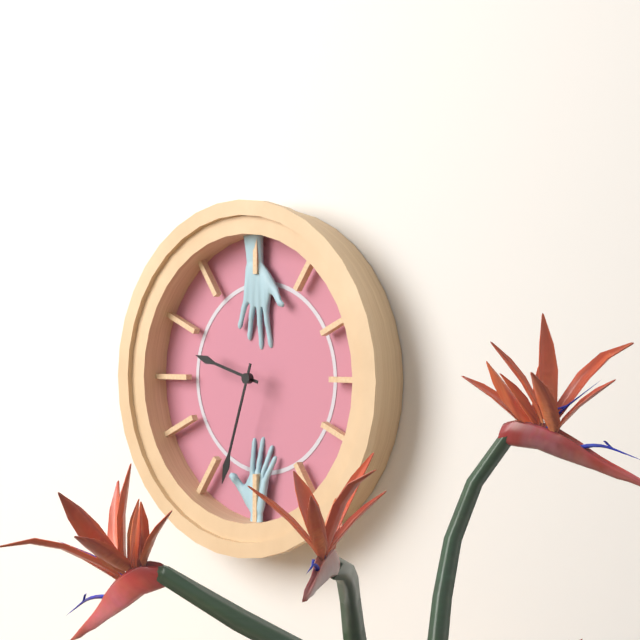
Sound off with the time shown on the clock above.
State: 9:33
